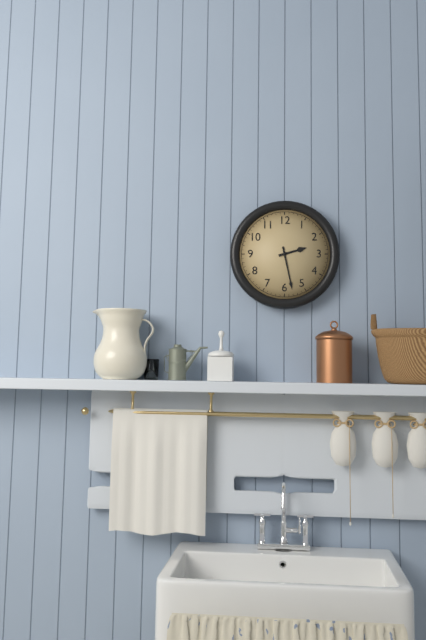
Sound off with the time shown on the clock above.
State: 2:28
